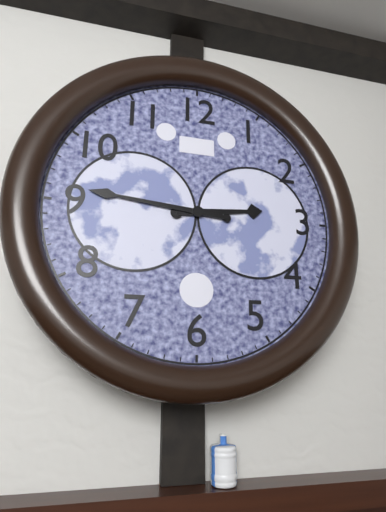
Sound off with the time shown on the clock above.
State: 2:46
